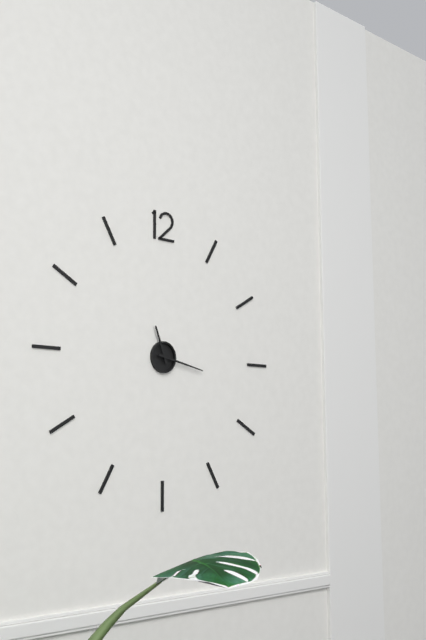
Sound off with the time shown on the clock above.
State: 11:17
